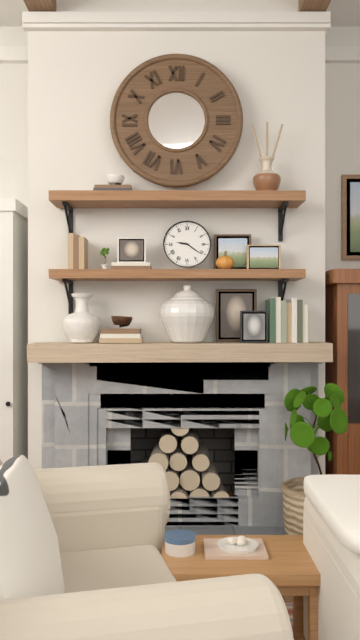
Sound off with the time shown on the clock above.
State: 9:21
